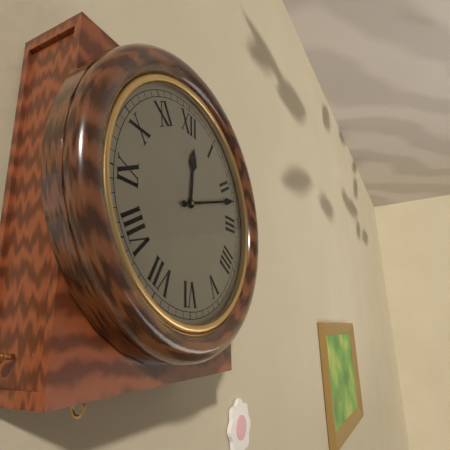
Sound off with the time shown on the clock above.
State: 12:12
